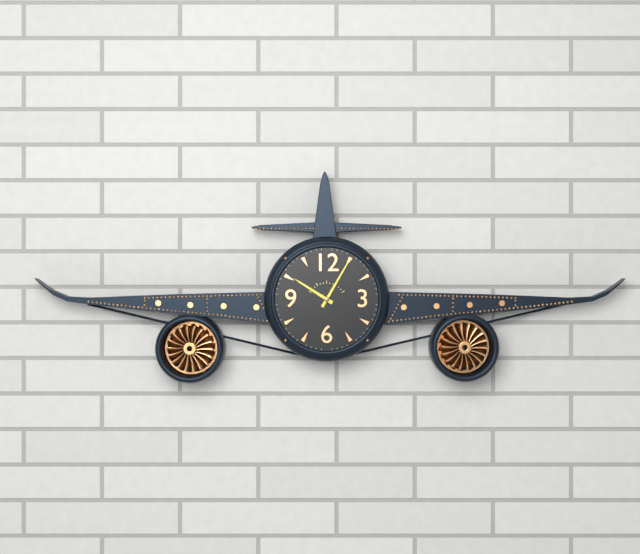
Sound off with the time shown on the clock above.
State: 10:05
